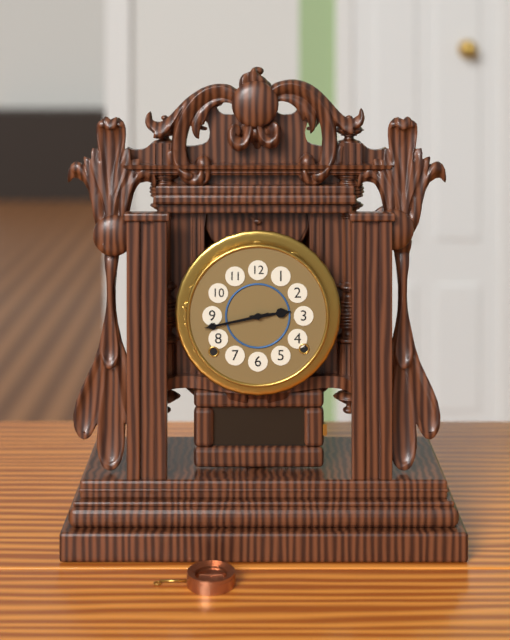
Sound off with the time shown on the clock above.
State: 2:43
